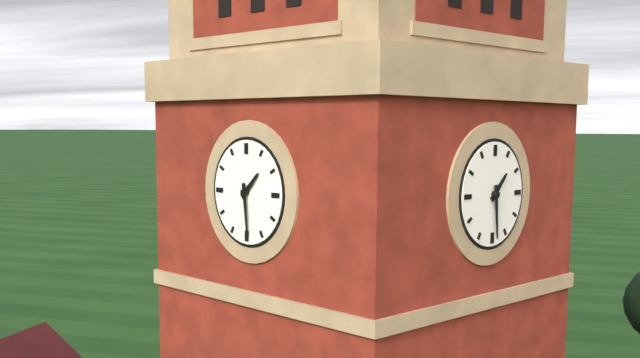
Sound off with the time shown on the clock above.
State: 1:29
